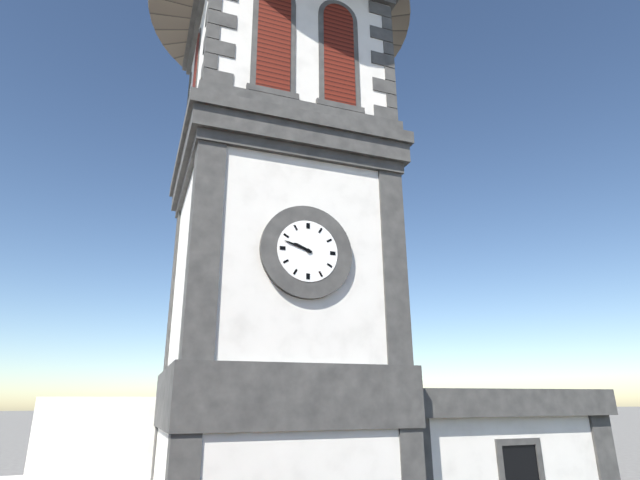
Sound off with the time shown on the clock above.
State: 9:48
